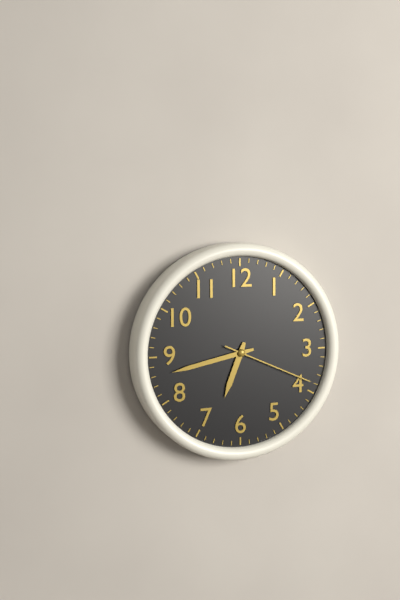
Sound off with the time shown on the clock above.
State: 6:43:19
